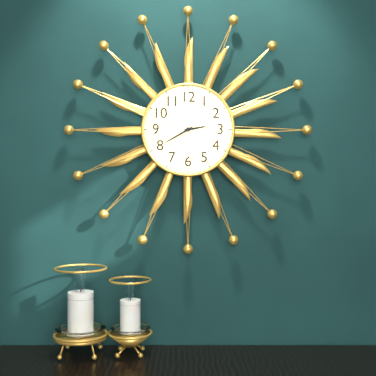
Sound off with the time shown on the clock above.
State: 2:40
